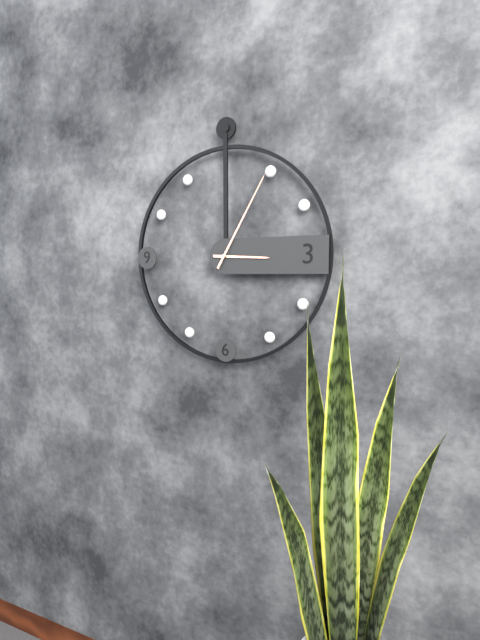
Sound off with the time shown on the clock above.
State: 3:05
